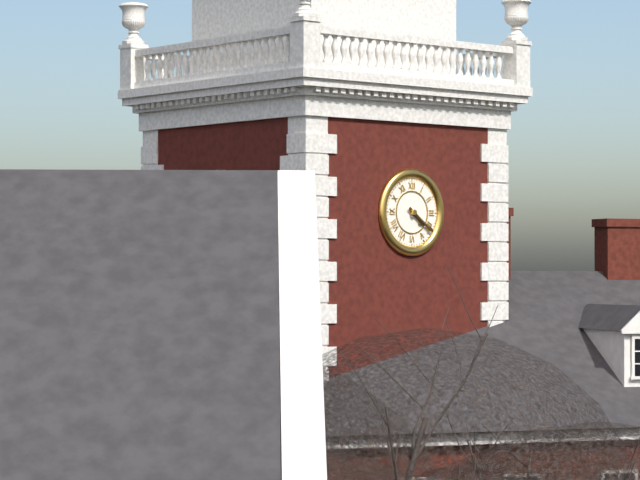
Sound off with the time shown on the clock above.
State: 4:21
